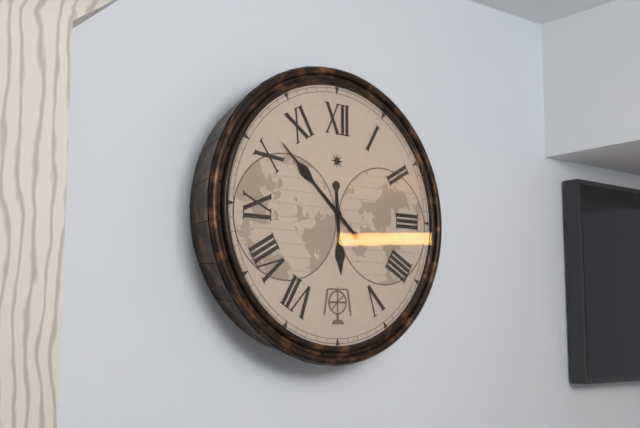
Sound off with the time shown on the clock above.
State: 5:52
